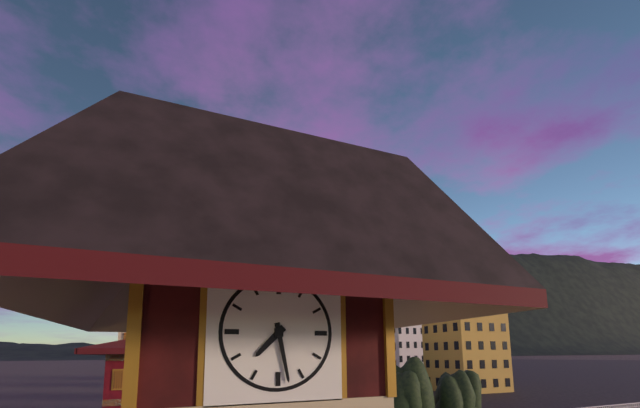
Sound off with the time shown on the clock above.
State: 7:28
